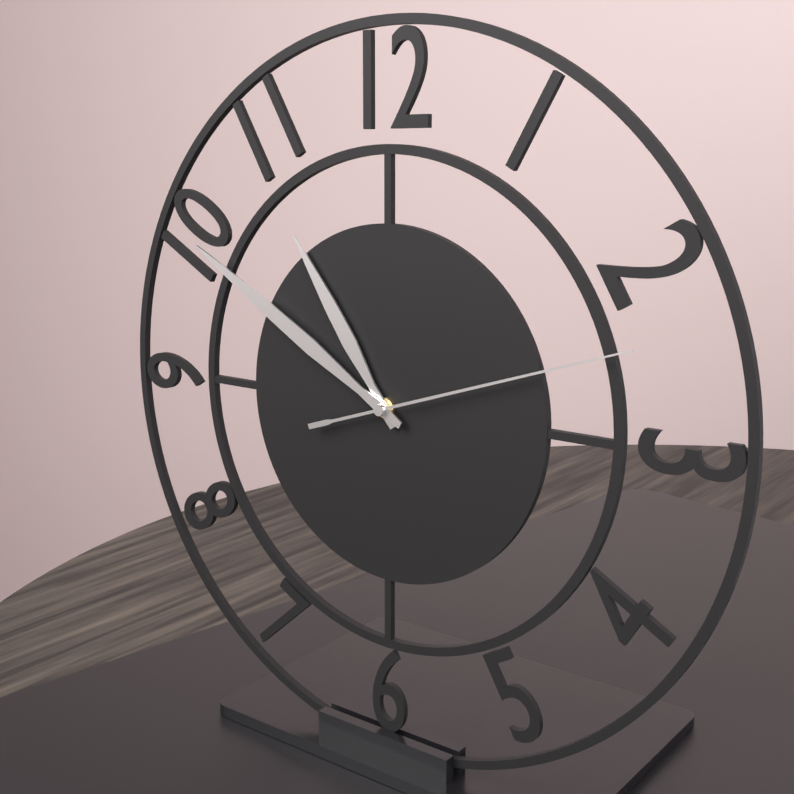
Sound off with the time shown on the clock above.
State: 10:50:12
